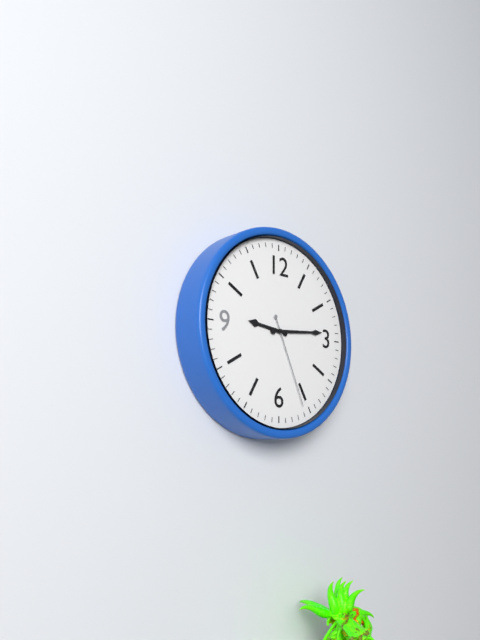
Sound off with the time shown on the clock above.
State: 9:14:26
